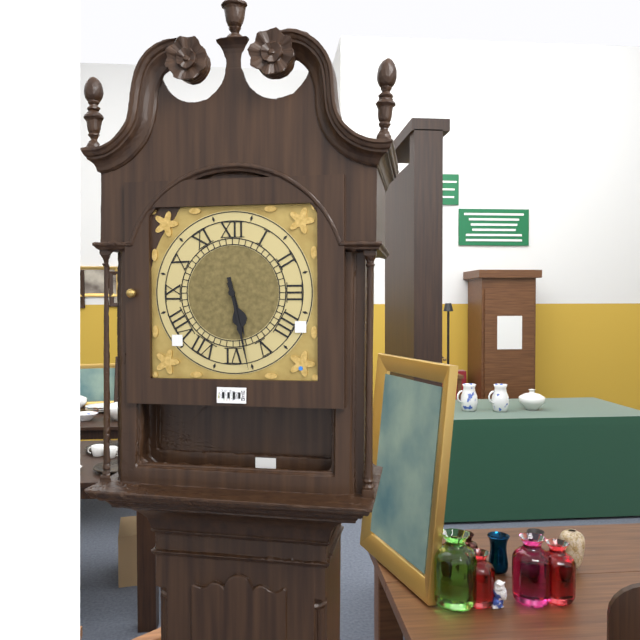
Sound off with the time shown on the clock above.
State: 5:28
